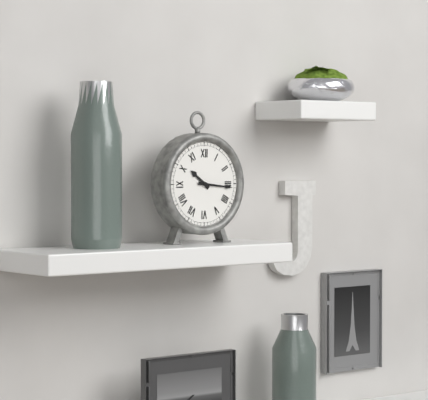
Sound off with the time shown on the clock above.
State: 10:16
